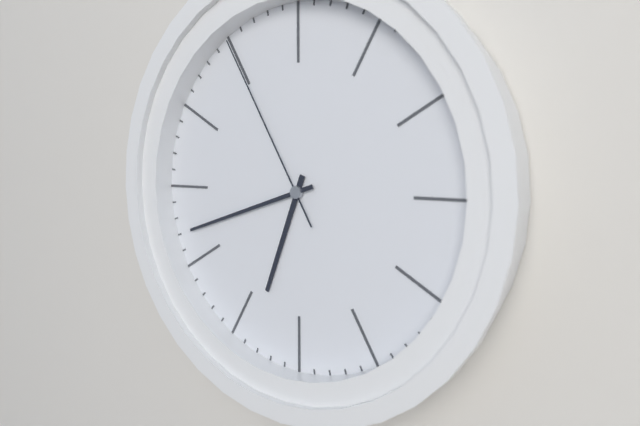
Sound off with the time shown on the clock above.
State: 6:42:55
